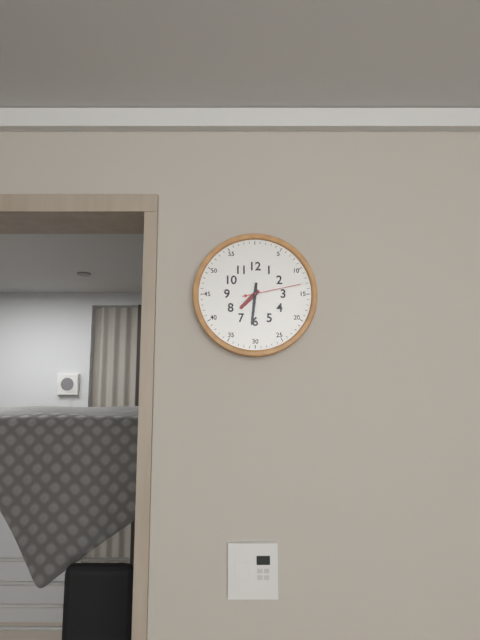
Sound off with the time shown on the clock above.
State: 7:31:13
